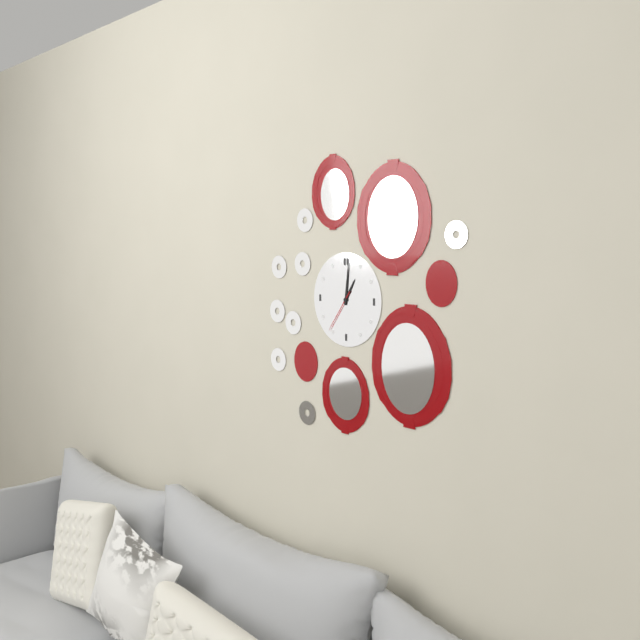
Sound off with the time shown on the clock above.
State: 1:01
